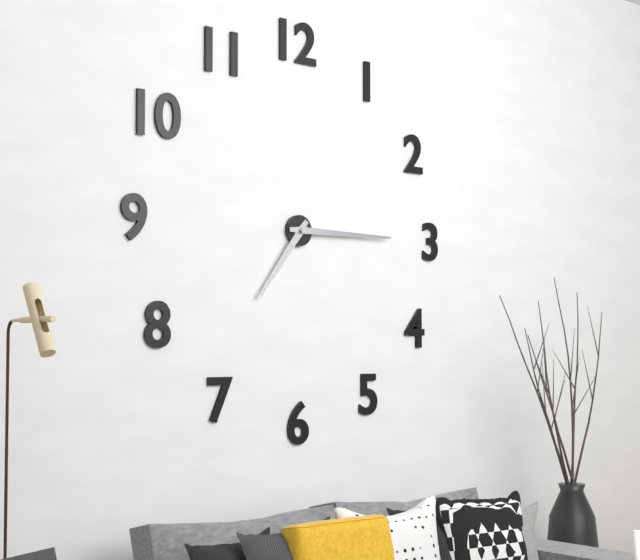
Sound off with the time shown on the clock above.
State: 7:15
